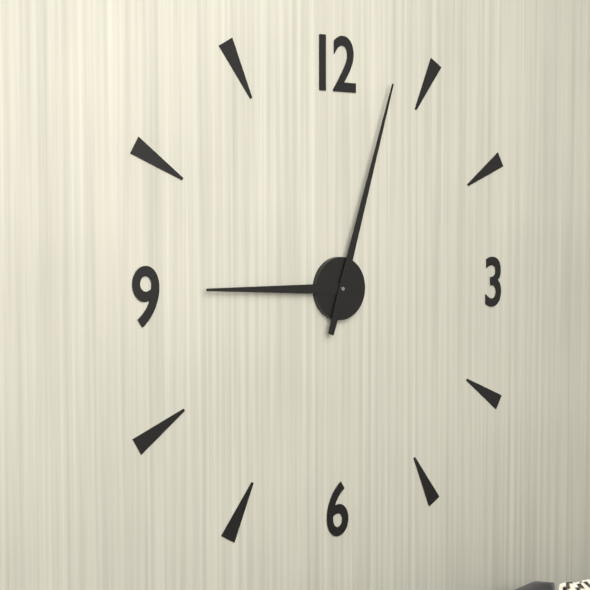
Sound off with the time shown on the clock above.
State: 9:03
